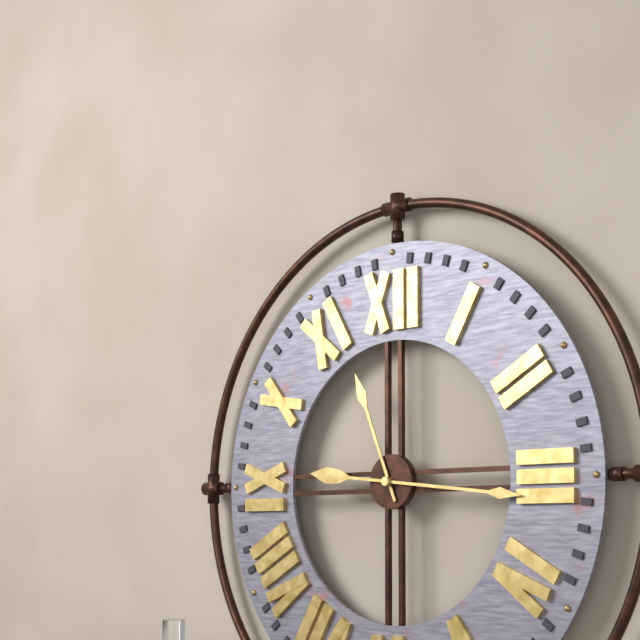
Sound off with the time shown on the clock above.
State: 11:16
